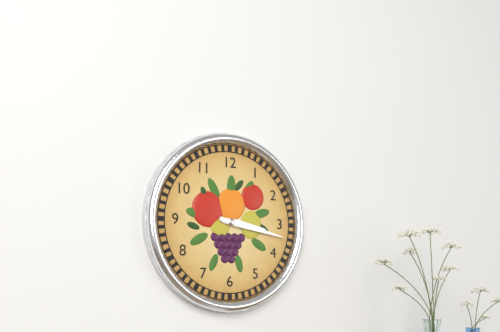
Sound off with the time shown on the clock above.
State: 3:17
